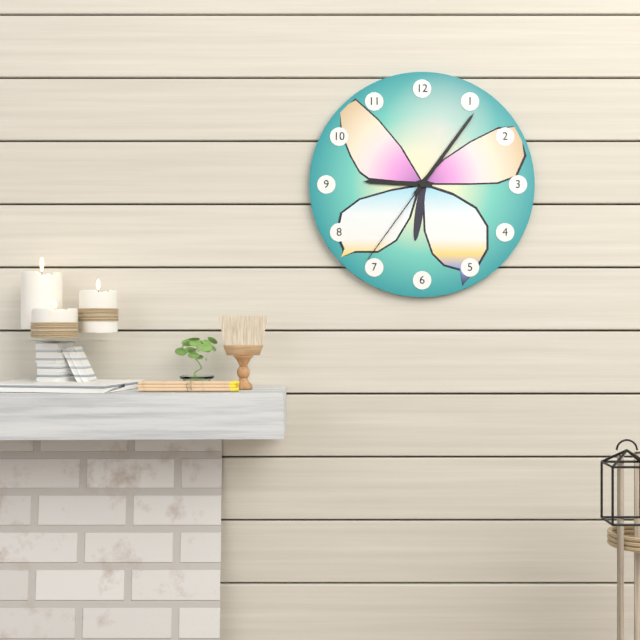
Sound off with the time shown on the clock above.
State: 9:06:36
